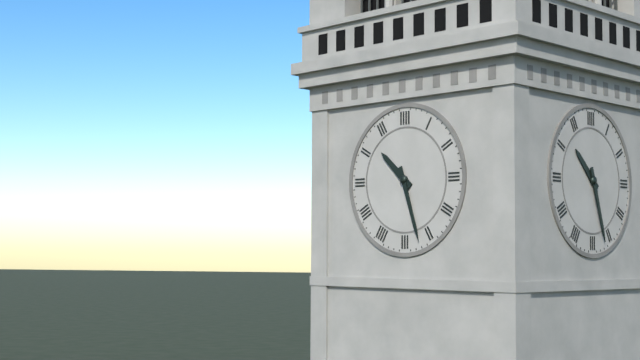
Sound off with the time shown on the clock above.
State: 10:27
